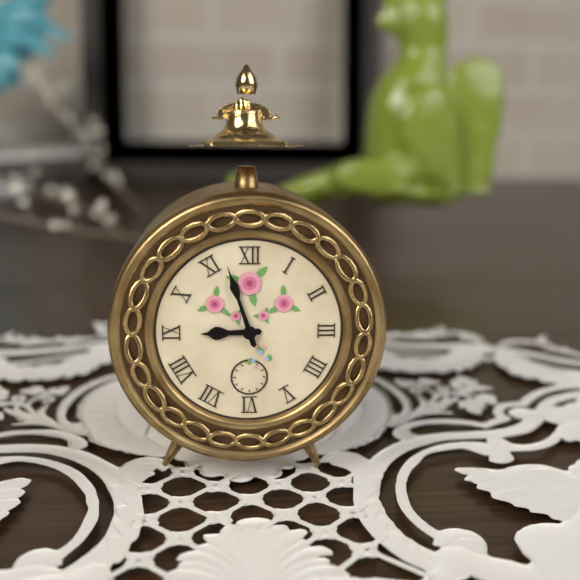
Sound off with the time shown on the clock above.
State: 8:57
